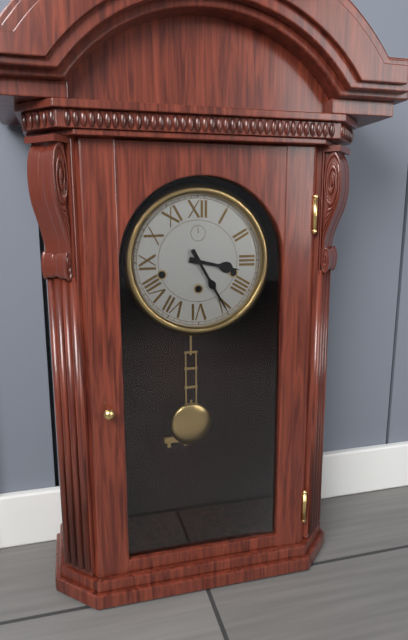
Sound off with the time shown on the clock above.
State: 3:25
